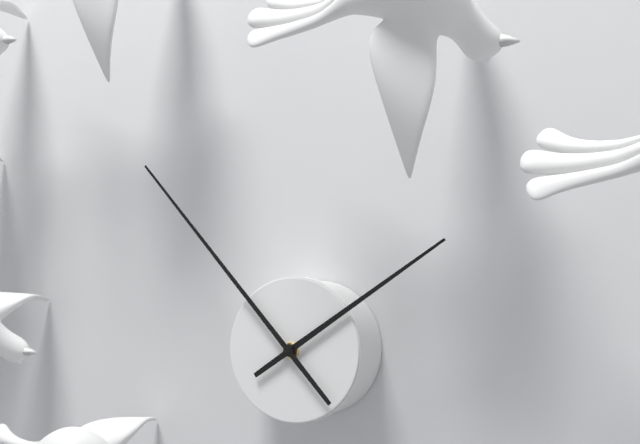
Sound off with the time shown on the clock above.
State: 1:53
